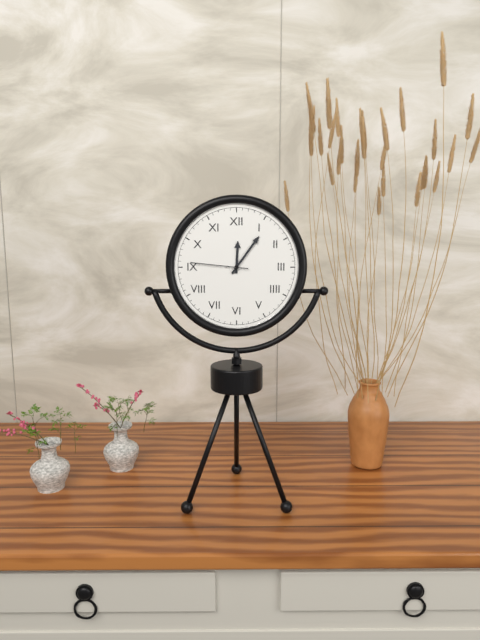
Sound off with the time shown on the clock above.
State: 12:06:46
